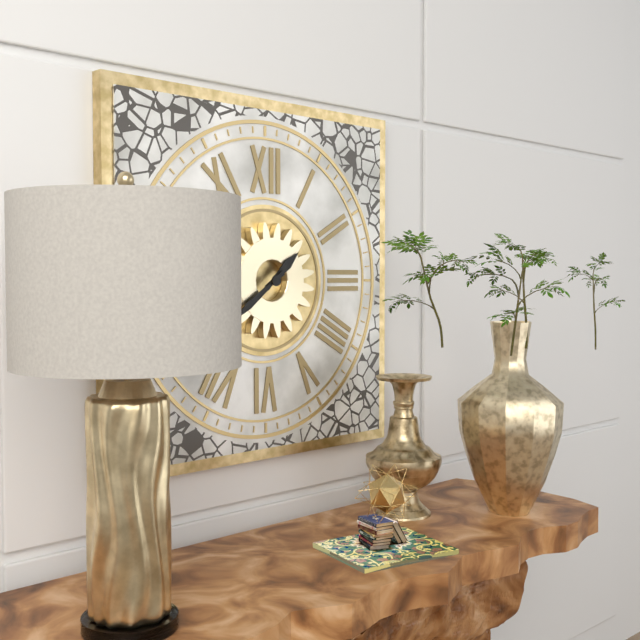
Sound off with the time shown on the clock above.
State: 1:39
